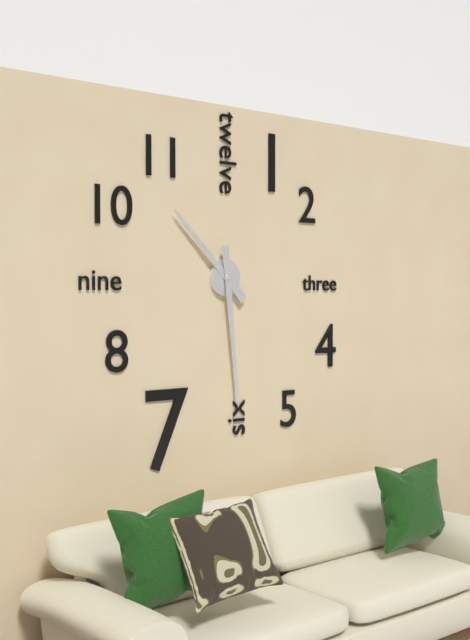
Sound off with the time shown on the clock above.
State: 10:29
